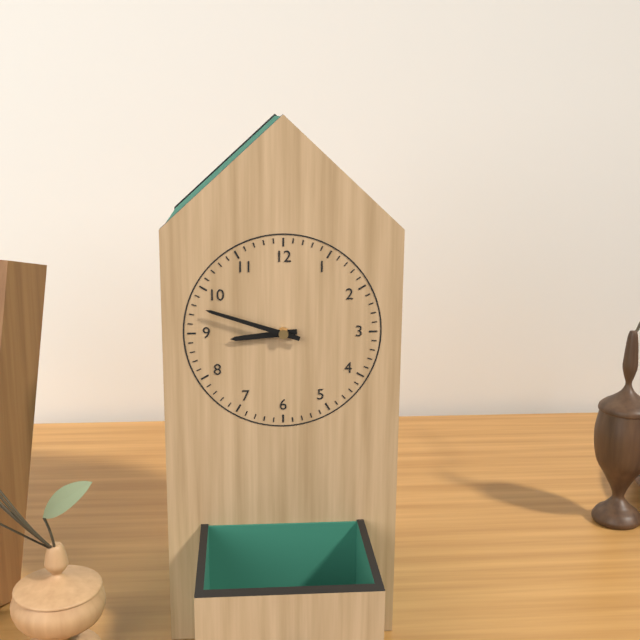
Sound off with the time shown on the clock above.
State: 8:48
